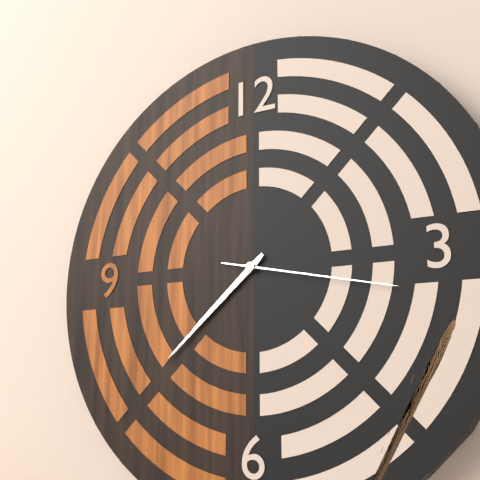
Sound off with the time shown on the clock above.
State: 7:38:17
